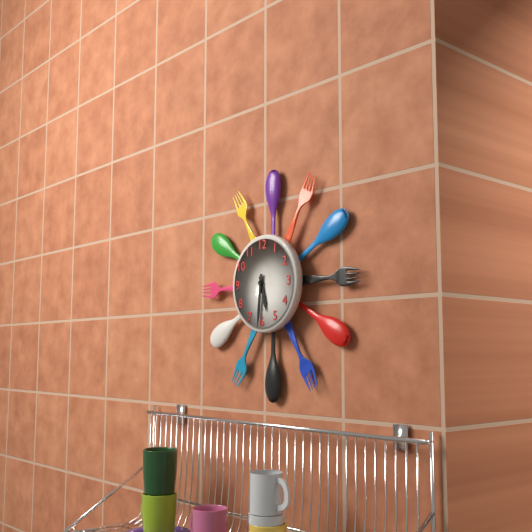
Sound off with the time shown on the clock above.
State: 5:31
